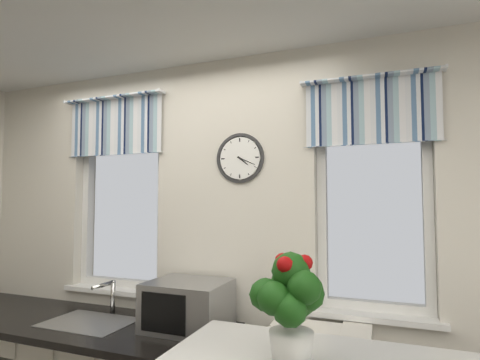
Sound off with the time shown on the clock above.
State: 4:19
